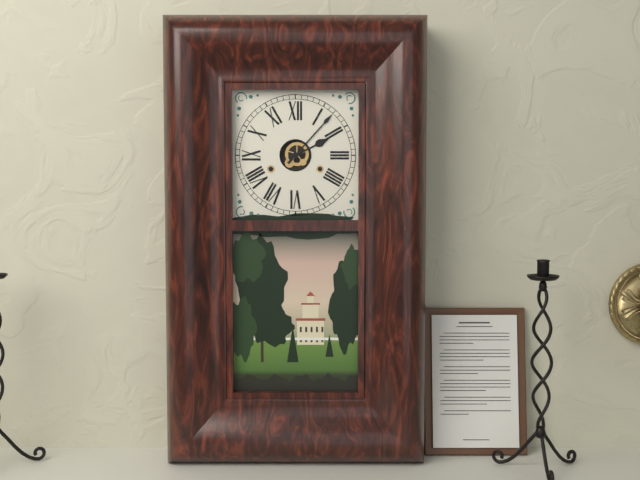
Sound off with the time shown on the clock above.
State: 2:07
